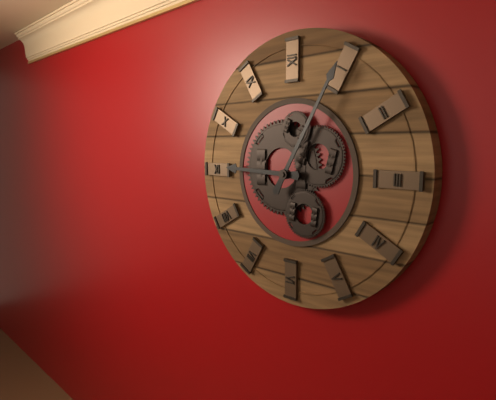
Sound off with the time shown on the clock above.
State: 9:05
